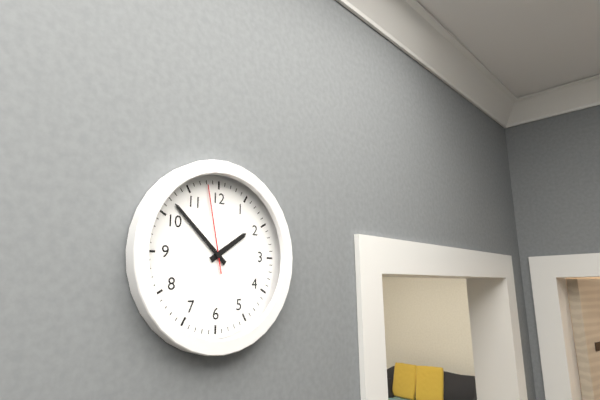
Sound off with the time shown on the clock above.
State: 1:52:58
